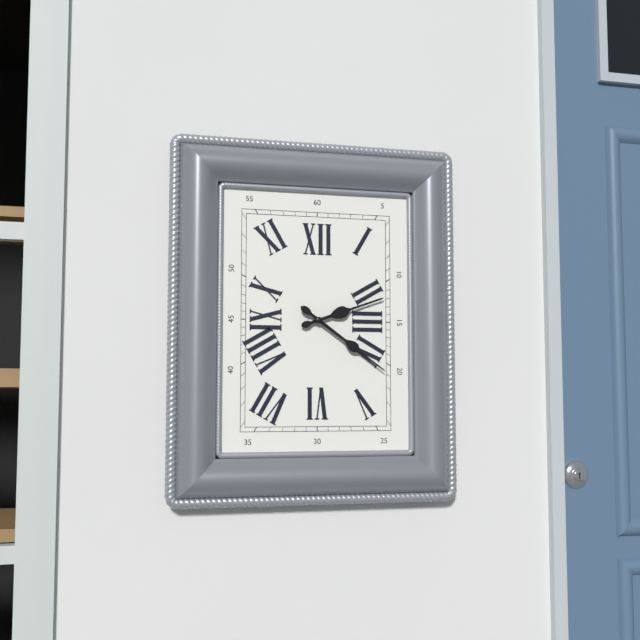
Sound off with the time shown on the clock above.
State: 2:21
